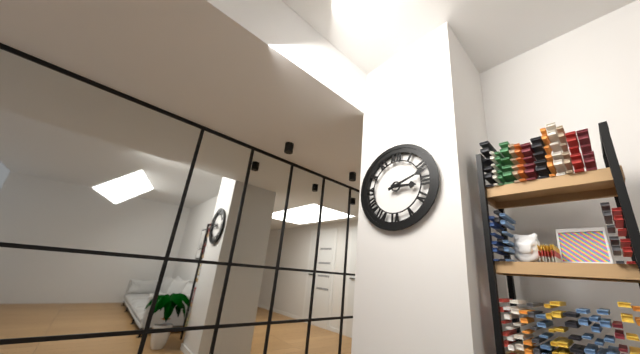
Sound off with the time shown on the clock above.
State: 3:12
